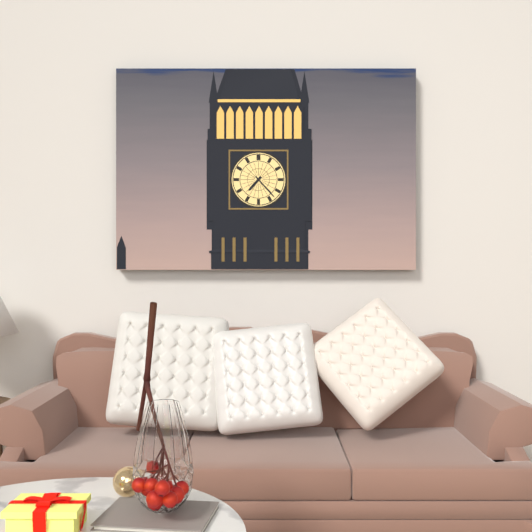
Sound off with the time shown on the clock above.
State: 7:23
